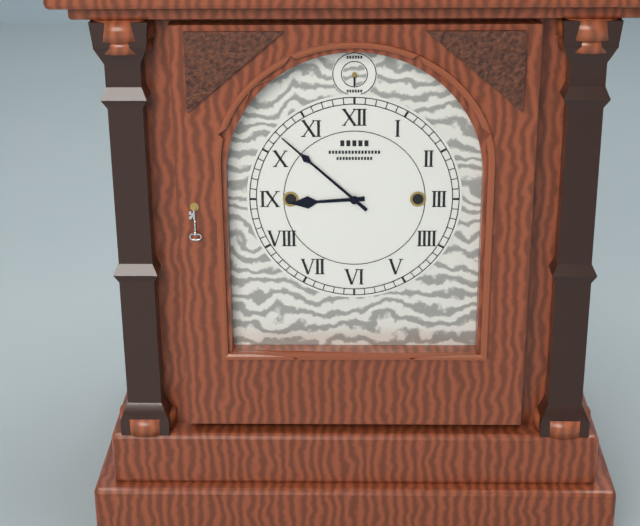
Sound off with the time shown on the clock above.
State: 8:52
